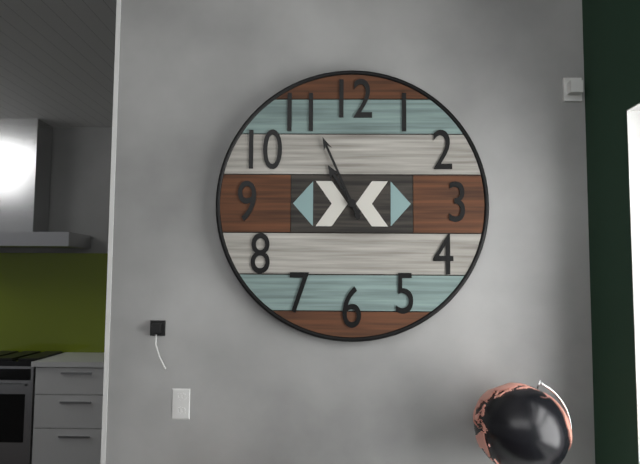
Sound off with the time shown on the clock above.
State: 10:56
